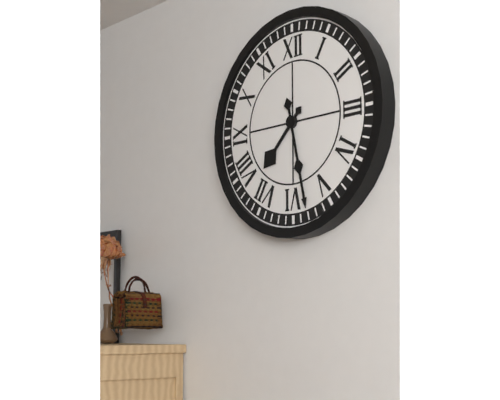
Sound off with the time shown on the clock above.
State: 7:28
